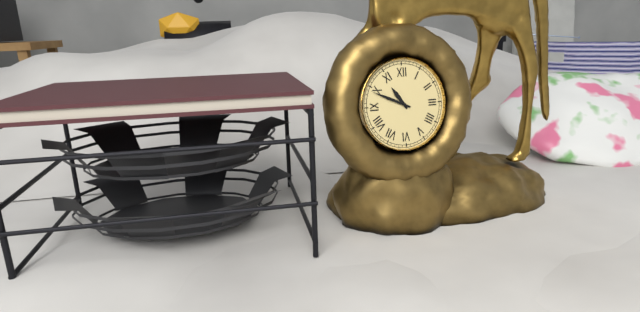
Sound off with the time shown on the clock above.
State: 10:49
